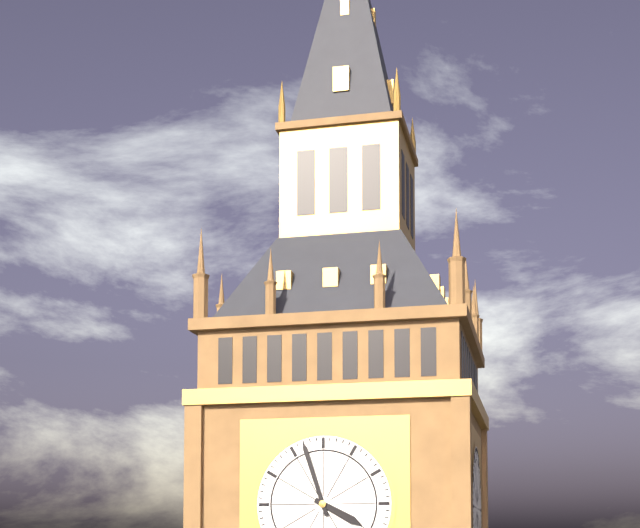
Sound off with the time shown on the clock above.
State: 3:57
